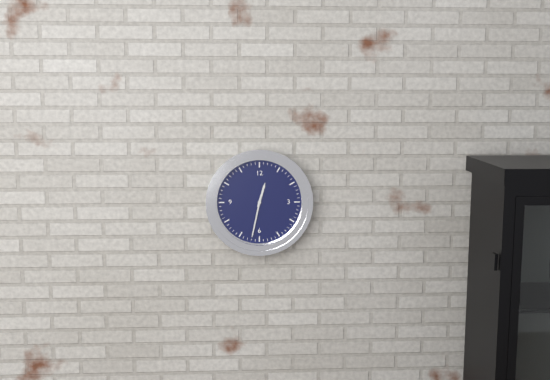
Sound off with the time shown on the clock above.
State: 12:32
